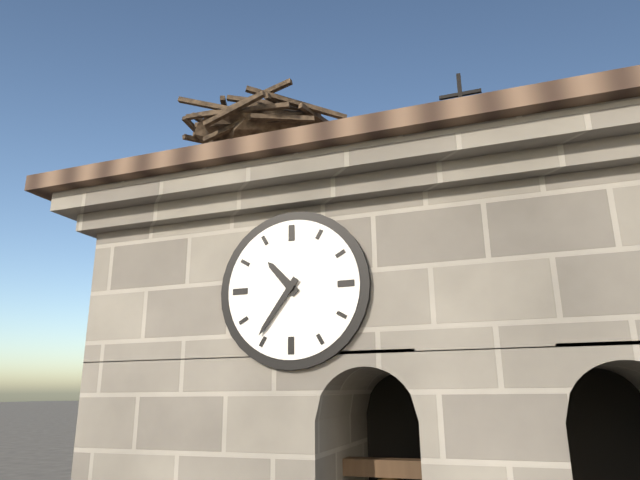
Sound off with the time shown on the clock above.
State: 10:36
